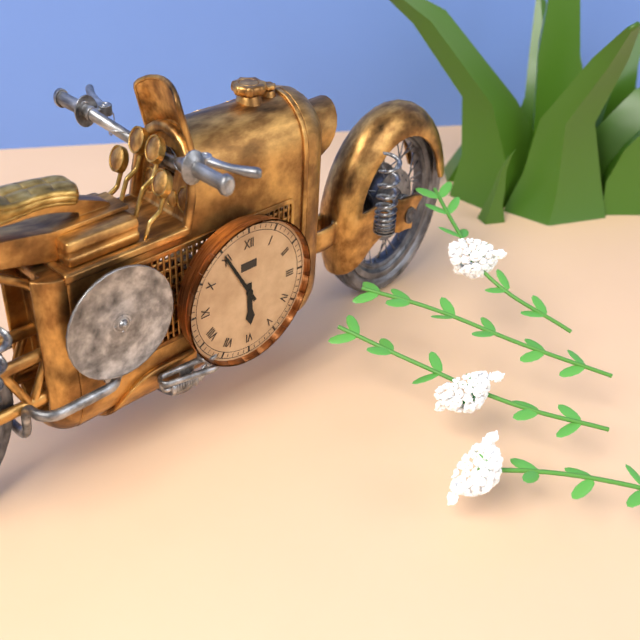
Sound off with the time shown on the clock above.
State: 5:55
